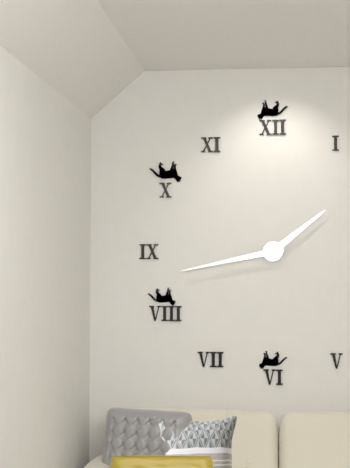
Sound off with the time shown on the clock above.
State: 1:43
